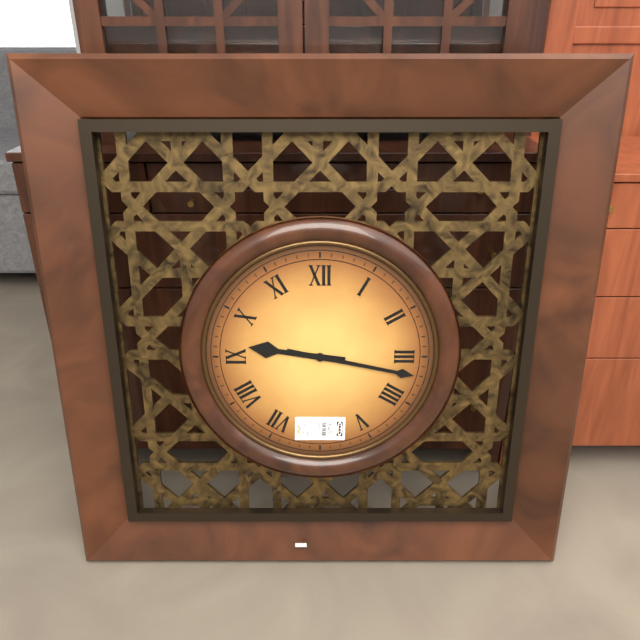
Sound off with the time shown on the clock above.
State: 9:17
